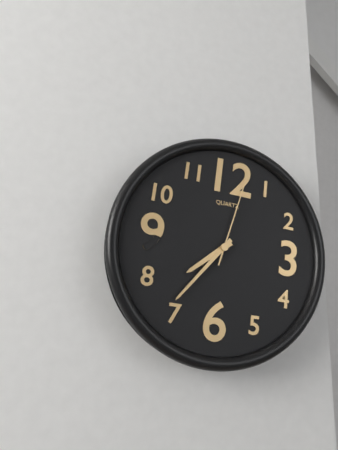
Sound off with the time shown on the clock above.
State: 7:36:02
